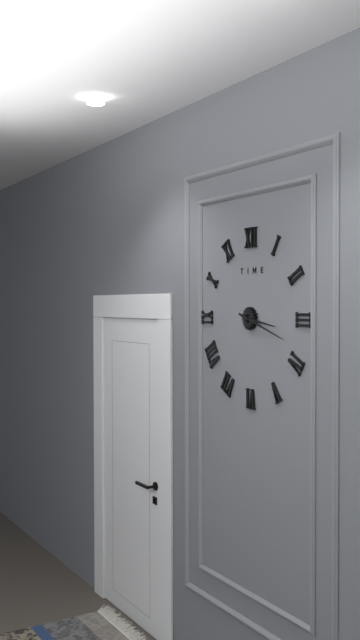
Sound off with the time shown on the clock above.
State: 3:18
